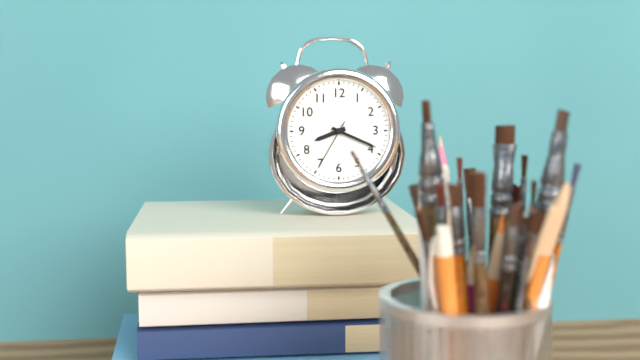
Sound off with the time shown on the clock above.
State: 8:19:35
